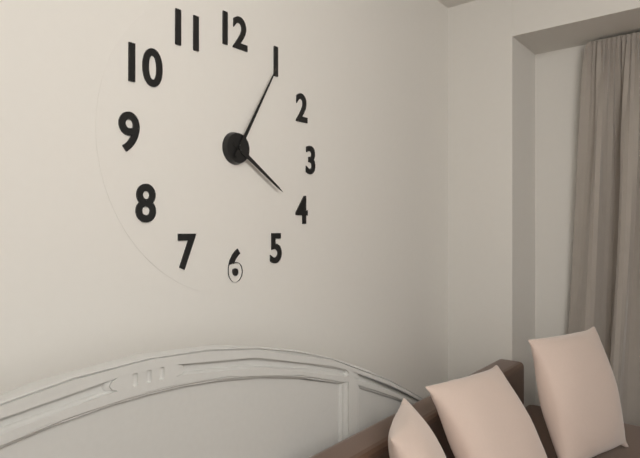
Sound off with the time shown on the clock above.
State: 4:05
